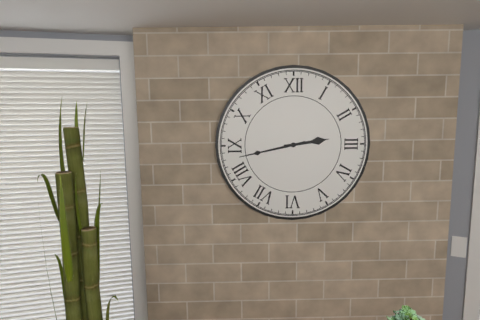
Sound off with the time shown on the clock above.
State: 2:43
